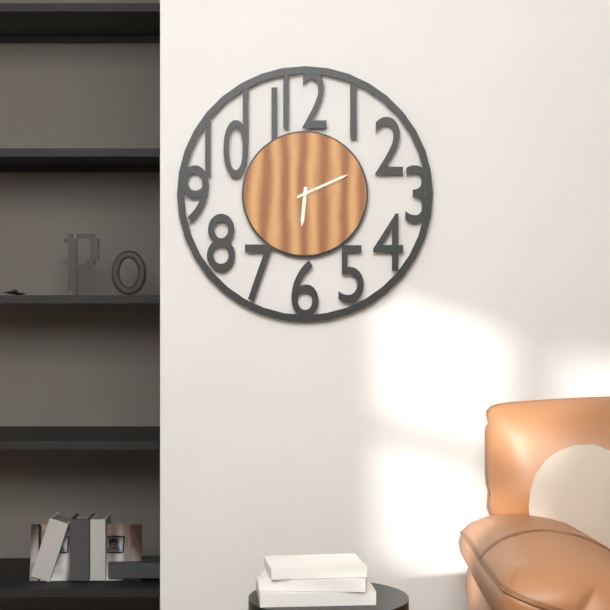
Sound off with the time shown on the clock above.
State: 6:11
